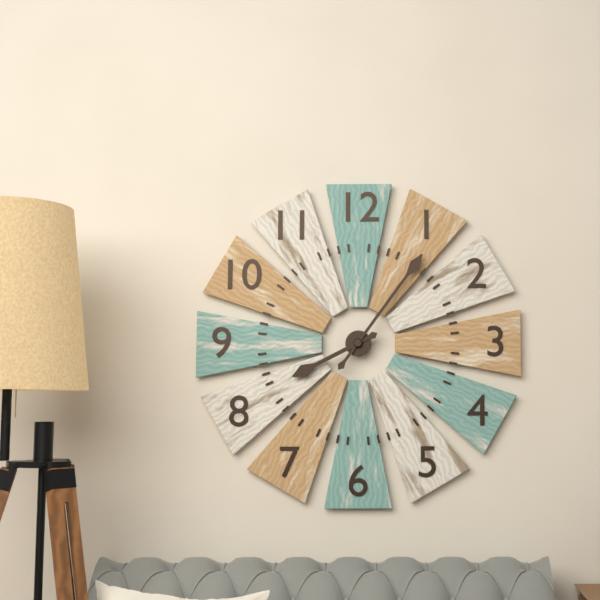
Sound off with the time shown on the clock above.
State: 8:06
